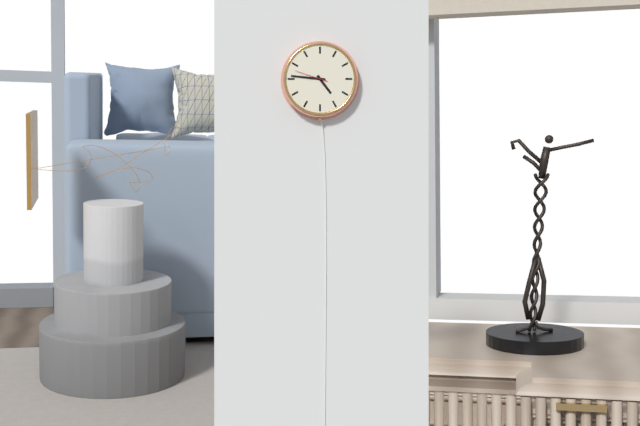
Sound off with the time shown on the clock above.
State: 4:46
